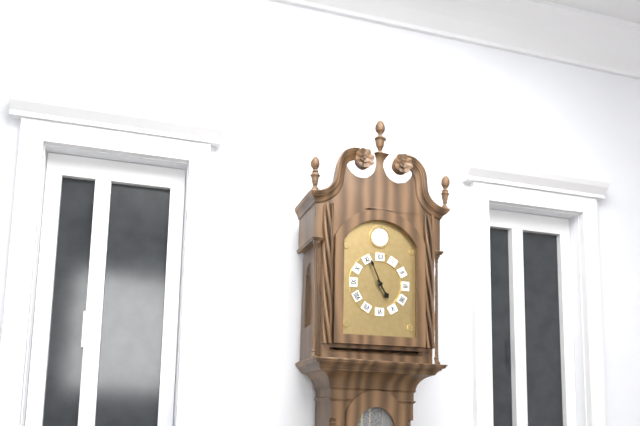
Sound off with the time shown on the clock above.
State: 4:56
